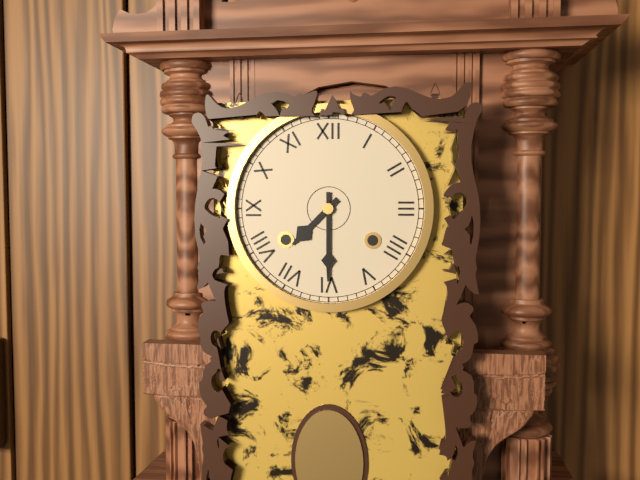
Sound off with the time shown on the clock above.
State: 7:30
